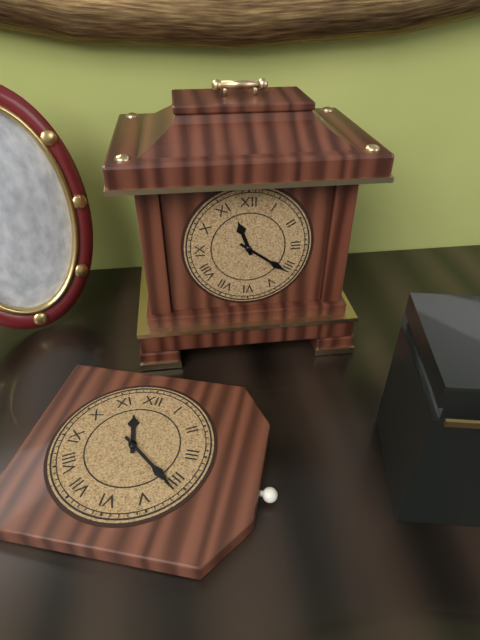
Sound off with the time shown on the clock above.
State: 11:21
